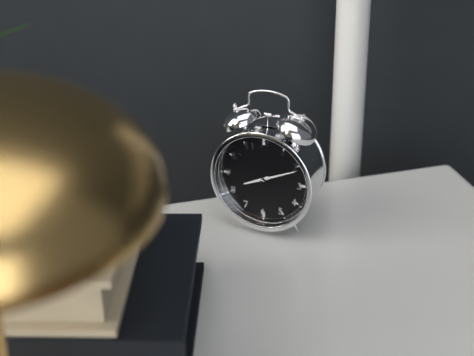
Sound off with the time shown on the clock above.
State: 8:11
